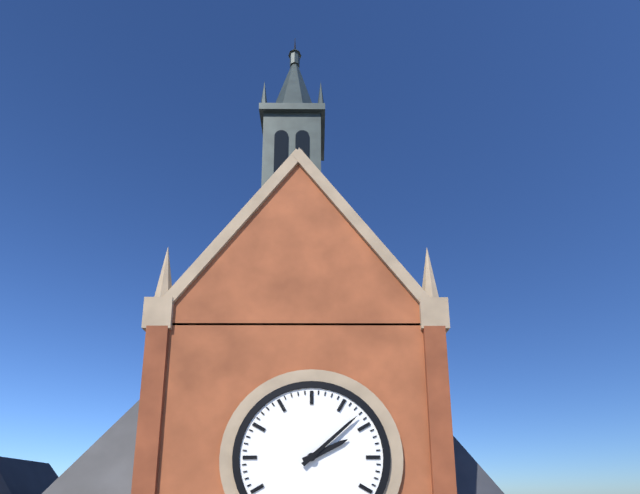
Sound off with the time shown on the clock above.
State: 2:08
